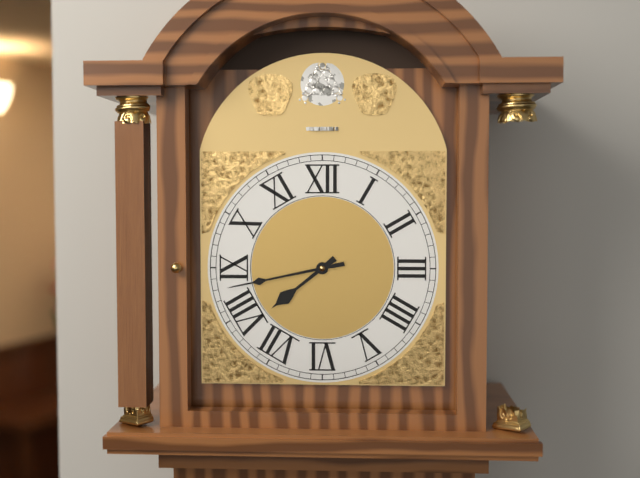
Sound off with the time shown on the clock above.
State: 7:43
